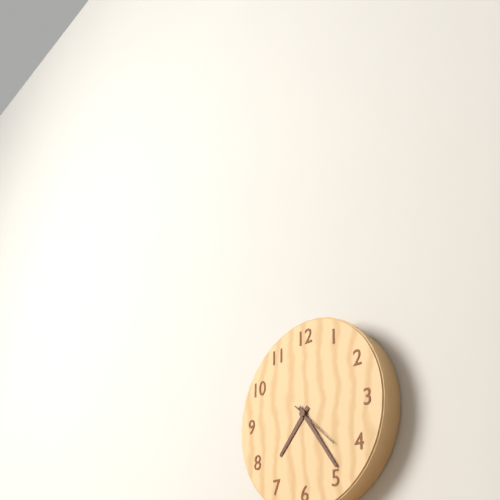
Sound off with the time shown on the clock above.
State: 7:24:22
